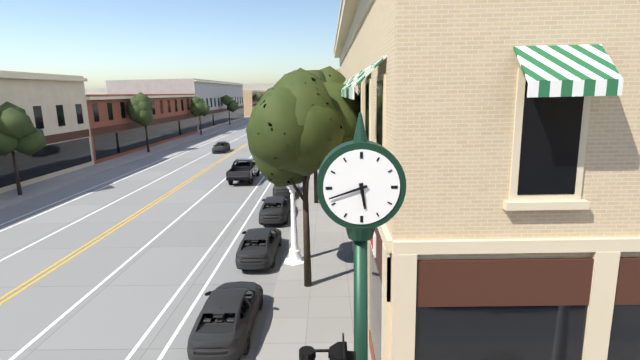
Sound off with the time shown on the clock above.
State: 5:42
